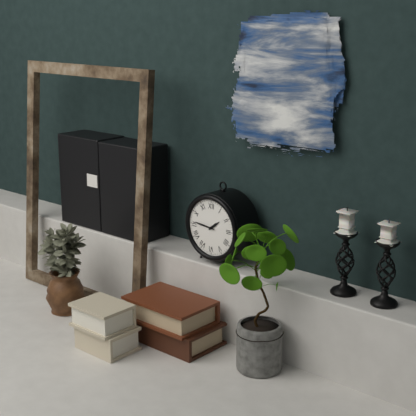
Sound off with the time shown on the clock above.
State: 1:46
